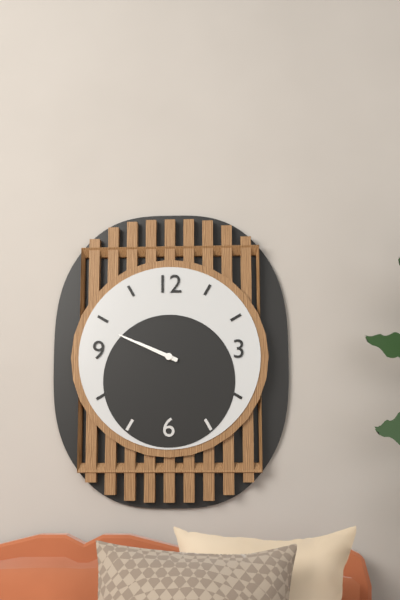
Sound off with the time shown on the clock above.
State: 9:49
